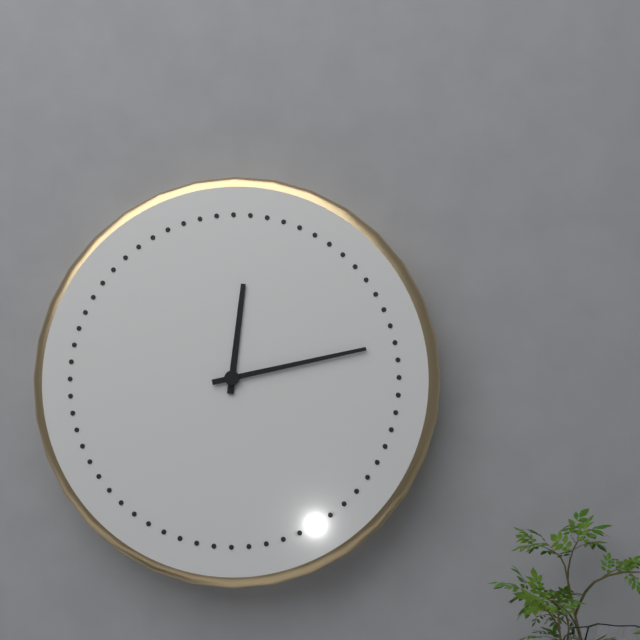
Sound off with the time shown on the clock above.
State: 12:13
